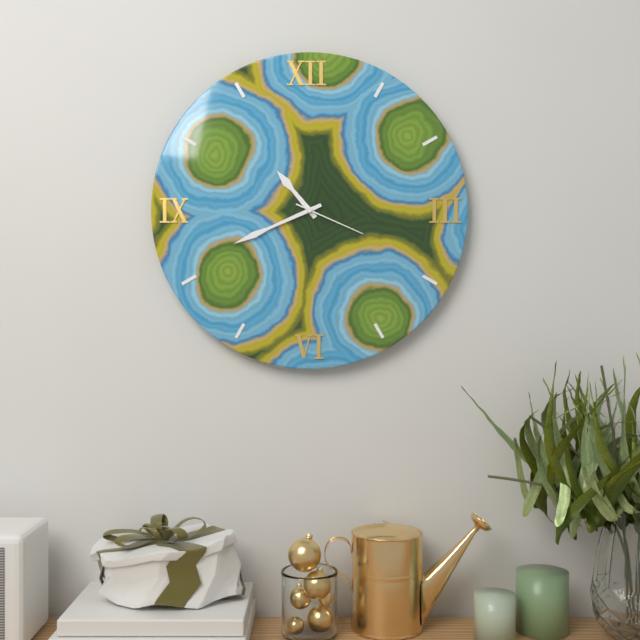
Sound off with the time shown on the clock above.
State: 10:41:19
